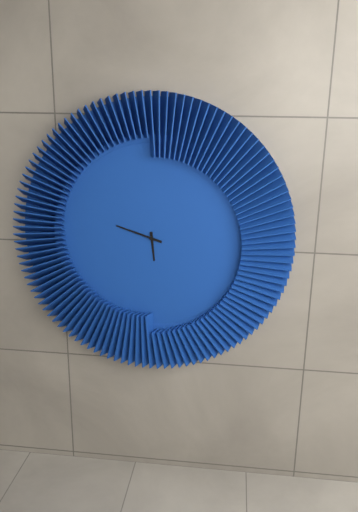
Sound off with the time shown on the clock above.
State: 5:48
